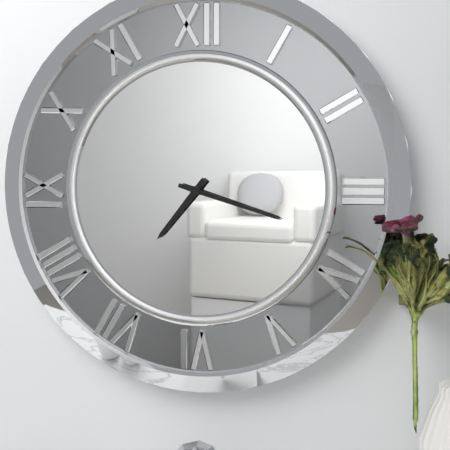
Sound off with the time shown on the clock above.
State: 7:18
